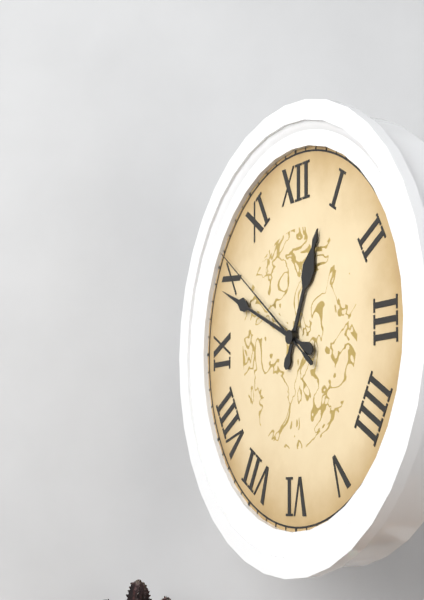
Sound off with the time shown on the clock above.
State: 12:49:51
